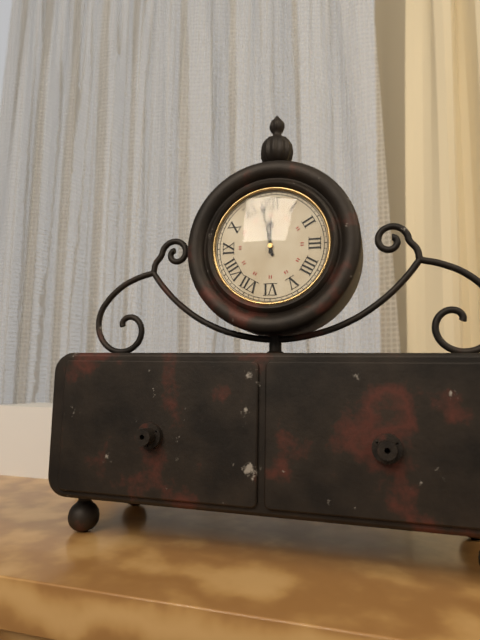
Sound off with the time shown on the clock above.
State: 11:58
